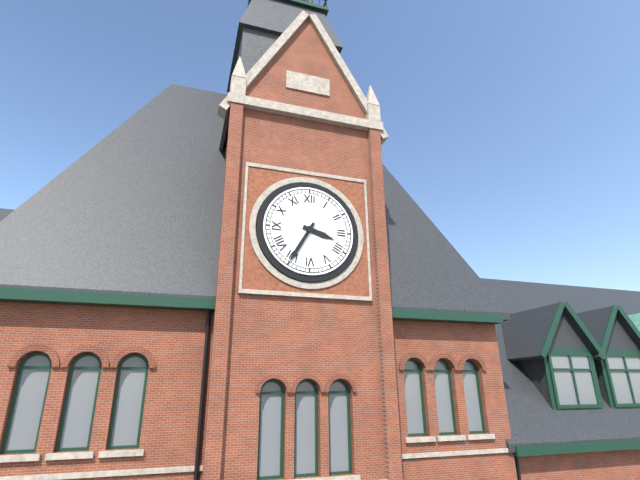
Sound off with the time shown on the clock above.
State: 3:35
